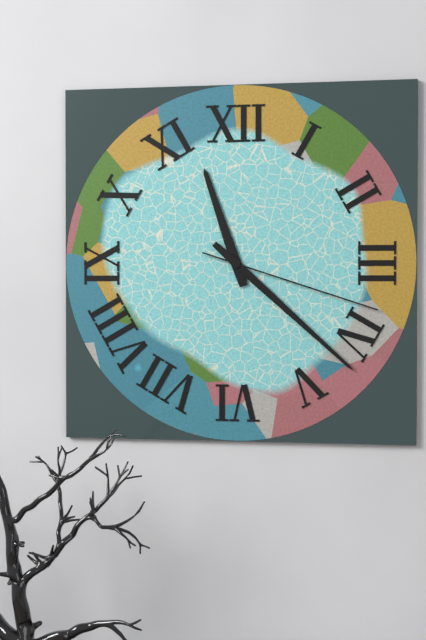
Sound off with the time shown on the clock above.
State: 11:22:18
